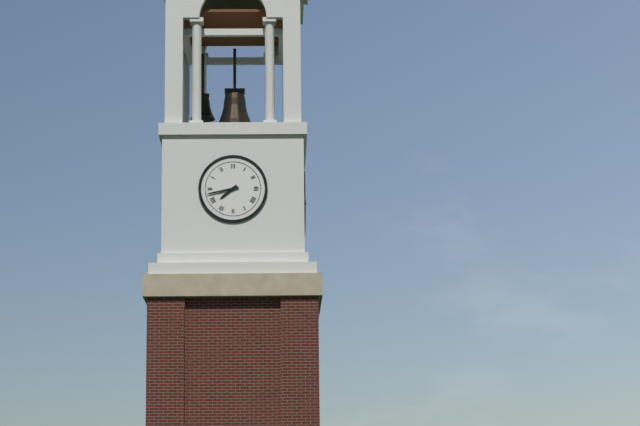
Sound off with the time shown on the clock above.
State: 7:43
